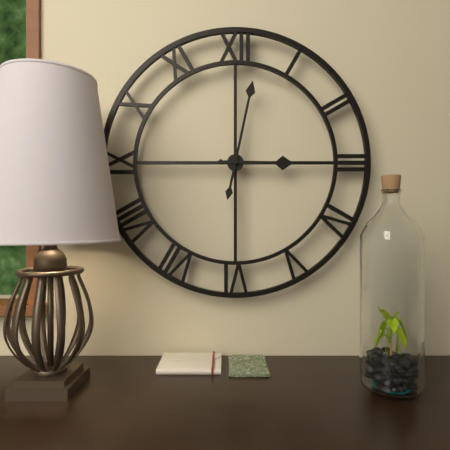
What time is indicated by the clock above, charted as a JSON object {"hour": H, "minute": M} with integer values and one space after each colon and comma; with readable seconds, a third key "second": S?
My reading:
{"hour": 3, "minute": 2}
